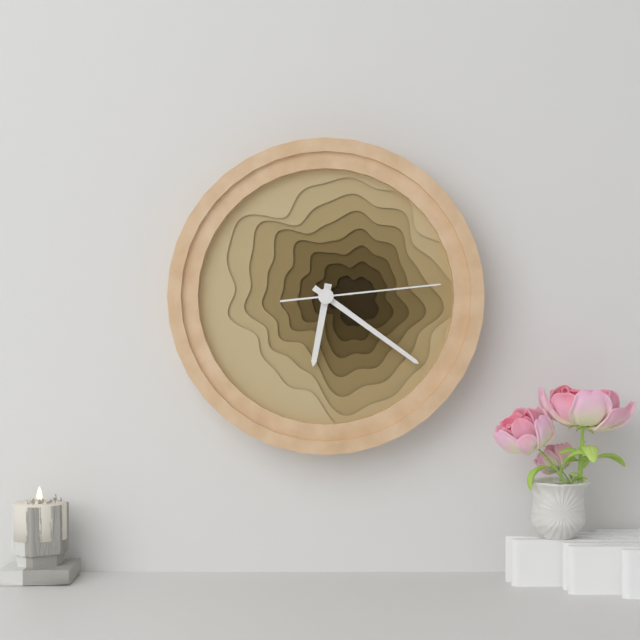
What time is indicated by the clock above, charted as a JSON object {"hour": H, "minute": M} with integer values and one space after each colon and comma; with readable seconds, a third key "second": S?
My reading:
{"hour": 6, "minute": 21, "second": 14}
